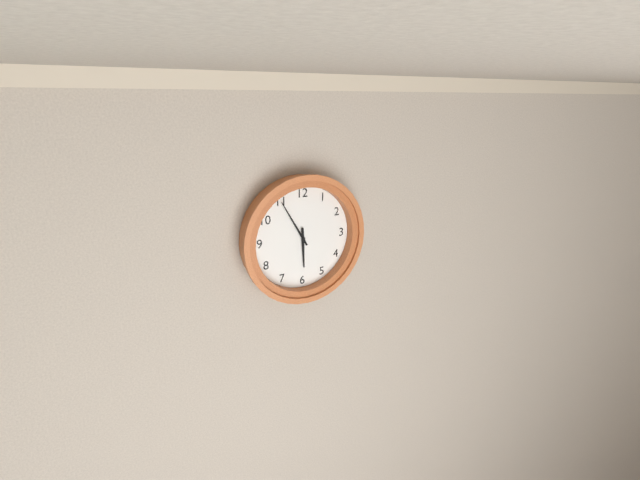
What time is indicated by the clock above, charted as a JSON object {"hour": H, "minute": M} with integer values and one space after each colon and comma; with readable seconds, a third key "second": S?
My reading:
{"hour": 5, "minute": 55}
